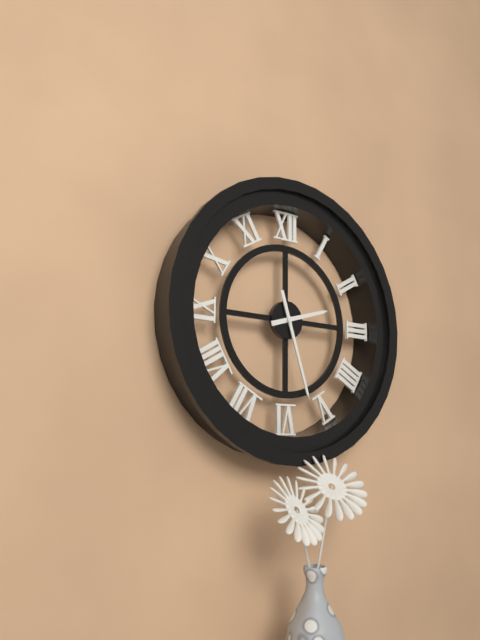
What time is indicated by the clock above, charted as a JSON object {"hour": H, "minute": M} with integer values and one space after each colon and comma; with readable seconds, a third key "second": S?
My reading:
{"hour": 2, "minute": 27}
